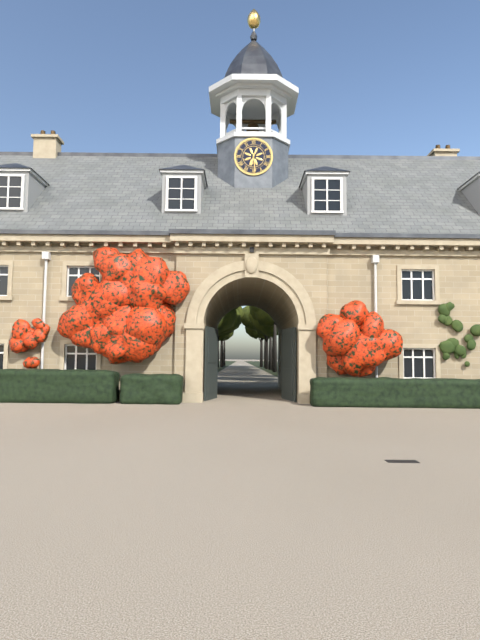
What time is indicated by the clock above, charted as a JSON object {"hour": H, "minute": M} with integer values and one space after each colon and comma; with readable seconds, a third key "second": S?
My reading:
{"hour": 6, "minute": 29}
